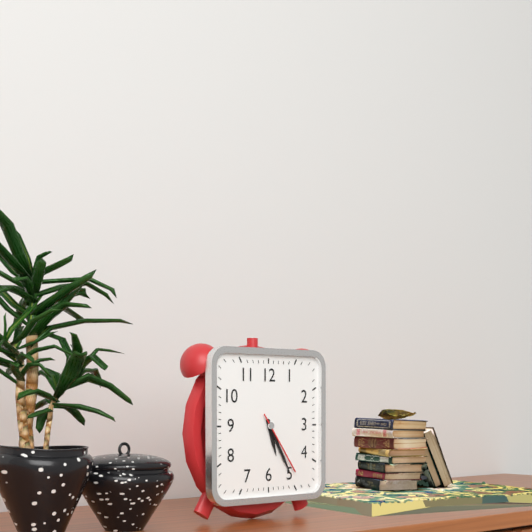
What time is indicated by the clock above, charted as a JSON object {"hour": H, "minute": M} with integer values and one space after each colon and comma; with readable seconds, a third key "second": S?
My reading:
{"hour": 5, "minute": 25, "second": 24}
